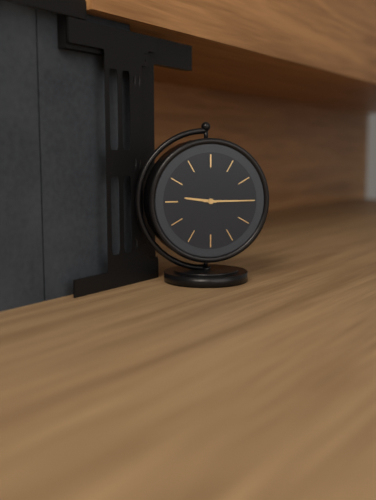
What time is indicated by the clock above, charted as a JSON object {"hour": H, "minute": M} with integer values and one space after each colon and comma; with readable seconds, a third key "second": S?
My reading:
{"hour": 9, "minute": 15}
